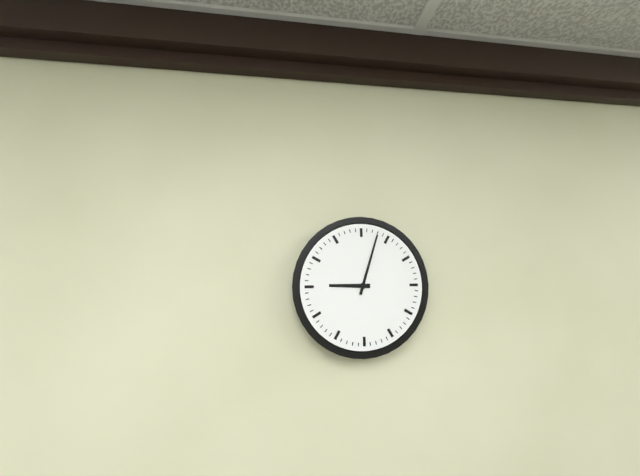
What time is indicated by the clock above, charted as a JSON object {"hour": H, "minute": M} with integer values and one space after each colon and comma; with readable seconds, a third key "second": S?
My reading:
{"hour": 9, "minute": 3}
